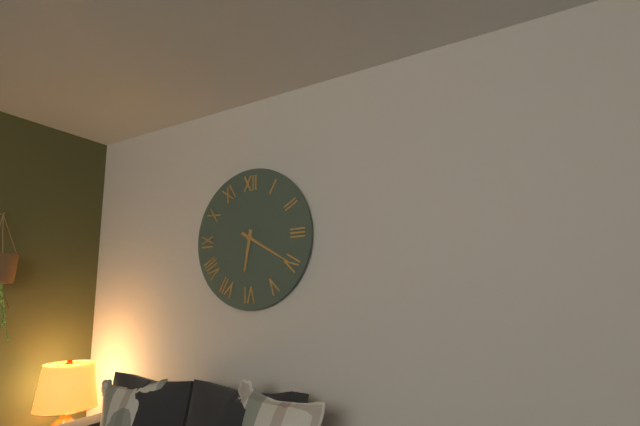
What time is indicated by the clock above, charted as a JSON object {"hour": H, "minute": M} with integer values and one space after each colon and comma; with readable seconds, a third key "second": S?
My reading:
{"hour": 6, "minute": 20}
